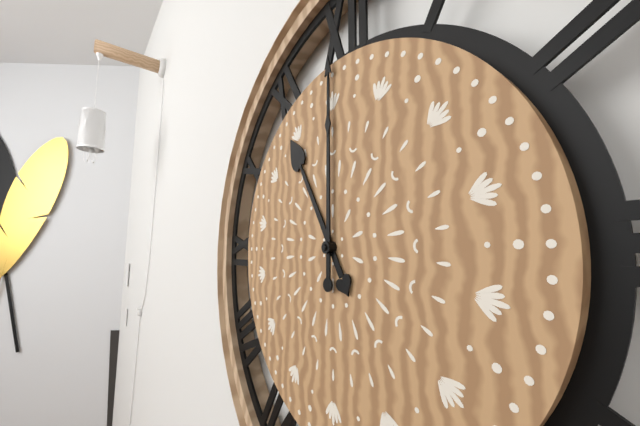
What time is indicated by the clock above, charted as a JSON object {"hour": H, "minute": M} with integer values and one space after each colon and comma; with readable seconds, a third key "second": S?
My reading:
{"hour": 11, "minute": 0}
